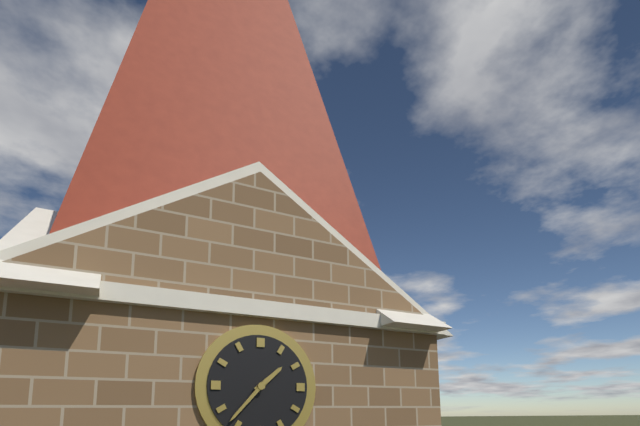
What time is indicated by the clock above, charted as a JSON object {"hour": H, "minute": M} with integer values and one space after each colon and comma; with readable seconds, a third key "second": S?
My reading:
{"hour": 1, "minute": 37}
